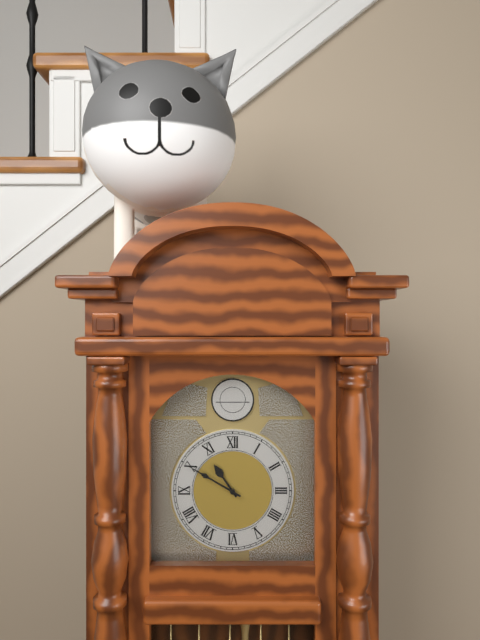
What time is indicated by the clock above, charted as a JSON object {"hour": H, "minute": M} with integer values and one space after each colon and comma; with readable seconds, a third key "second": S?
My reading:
{"hour": 10, "minute": 50}
